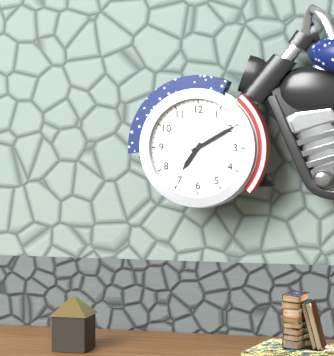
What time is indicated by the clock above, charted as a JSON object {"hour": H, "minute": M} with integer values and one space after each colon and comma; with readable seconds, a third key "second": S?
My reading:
{"hour": 7, "minute": 10}
